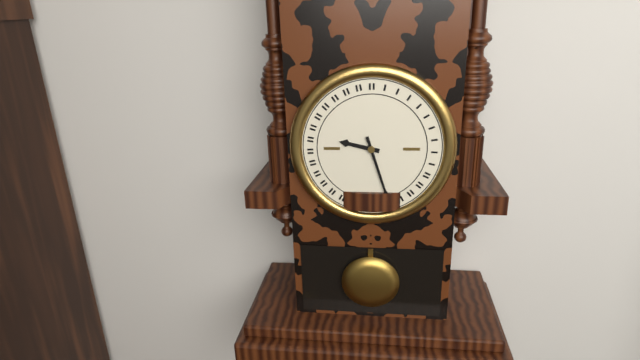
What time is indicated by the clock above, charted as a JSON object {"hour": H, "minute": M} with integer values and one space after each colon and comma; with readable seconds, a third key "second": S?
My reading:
{"hour": 9, "minute": 27}
